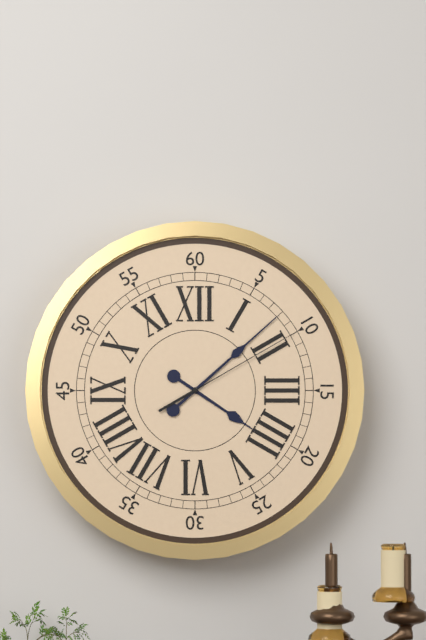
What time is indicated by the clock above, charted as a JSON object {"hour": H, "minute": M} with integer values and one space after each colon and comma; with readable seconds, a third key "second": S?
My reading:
{"hour": 4, "minute": 8, "second": 10}
